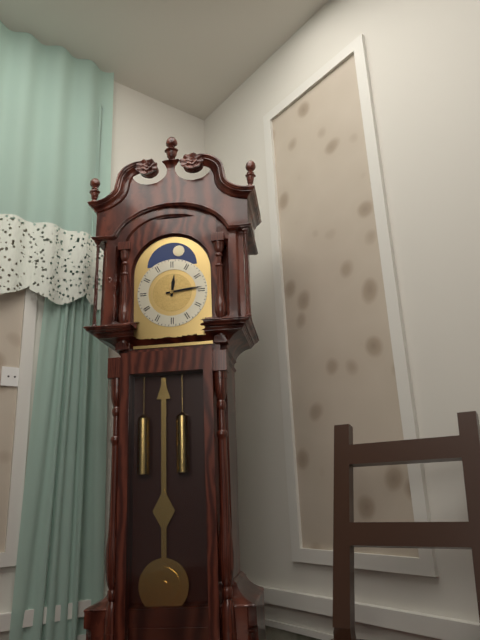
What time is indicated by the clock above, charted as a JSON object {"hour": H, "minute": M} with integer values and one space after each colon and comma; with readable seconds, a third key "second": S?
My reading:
{"hour": 12, "minute": 14}
